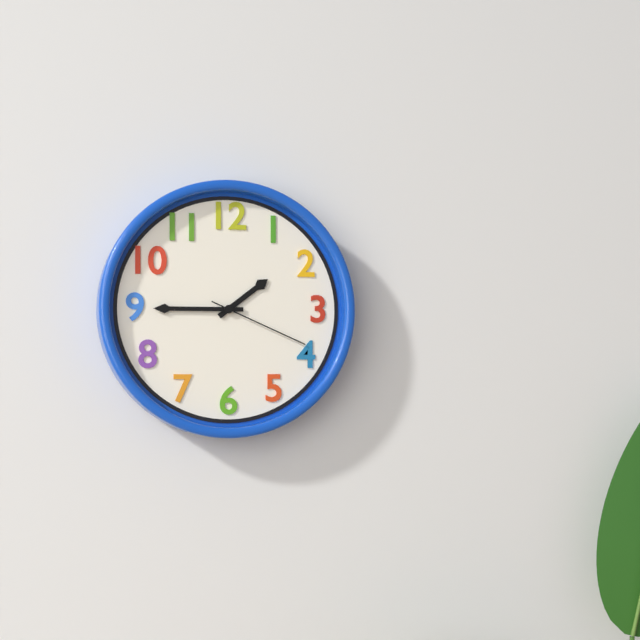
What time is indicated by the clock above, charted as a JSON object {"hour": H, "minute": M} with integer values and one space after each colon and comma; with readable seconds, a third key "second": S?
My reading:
{"hour": 1, "minute": 45, "second": 19}
